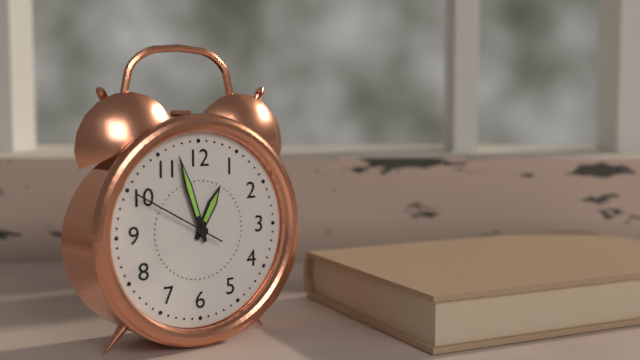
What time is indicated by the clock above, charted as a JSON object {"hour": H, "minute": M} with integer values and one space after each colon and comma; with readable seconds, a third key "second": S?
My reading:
{"hour": 12, "minute": 57, "second": 50}
